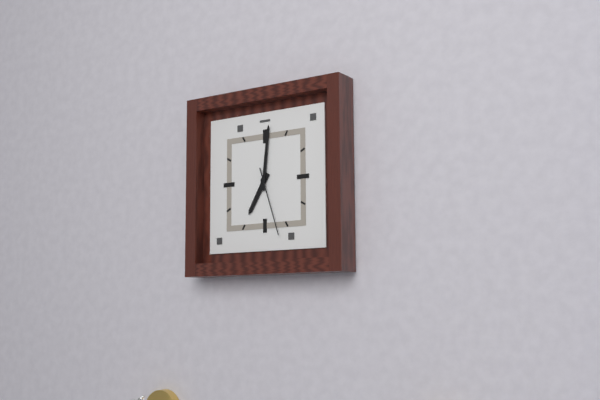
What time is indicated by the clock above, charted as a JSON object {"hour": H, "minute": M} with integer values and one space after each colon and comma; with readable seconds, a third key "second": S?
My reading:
{"hour": 7, "minute": 1, "second": 27}
